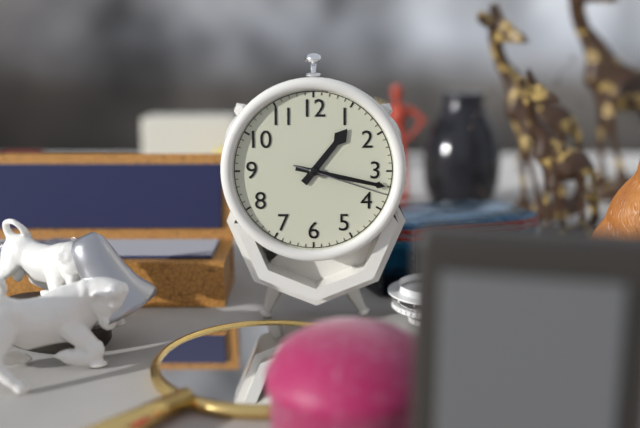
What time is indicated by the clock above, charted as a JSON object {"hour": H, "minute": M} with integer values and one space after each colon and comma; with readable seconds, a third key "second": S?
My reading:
{"hour": 1, "minute": 17, "second": 18}
